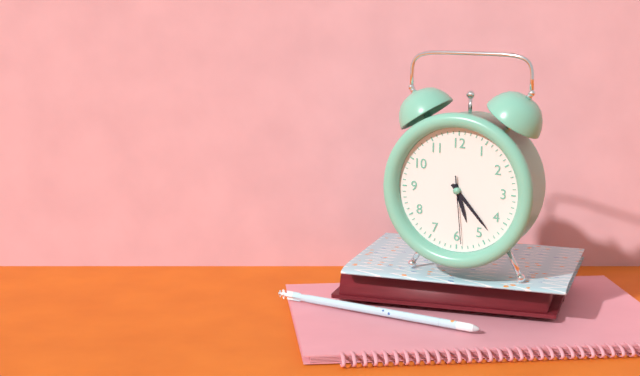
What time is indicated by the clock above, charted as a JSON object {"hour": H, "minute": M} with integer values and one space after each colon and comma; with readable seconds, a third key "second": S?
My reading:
{"hour": 5, "minute": 23, "second": 29}
